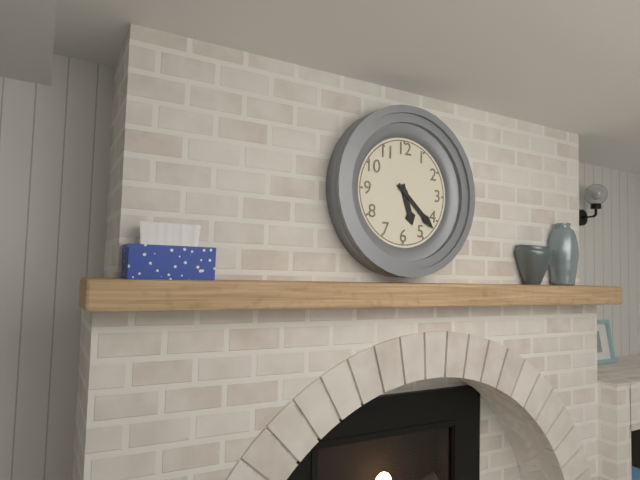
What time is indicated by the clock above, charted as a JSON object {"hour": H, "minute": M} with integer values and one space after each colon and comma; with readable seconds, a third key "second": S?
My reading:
{"hour": 5, "minute": 22}
